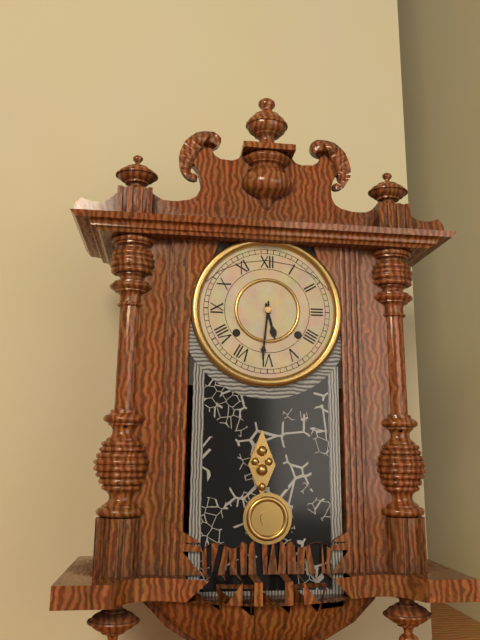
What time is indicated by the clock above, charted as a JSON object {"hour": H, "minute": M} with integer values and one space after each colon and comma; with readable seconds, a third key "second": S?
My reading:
{"hour": 5, "minute": 31}
